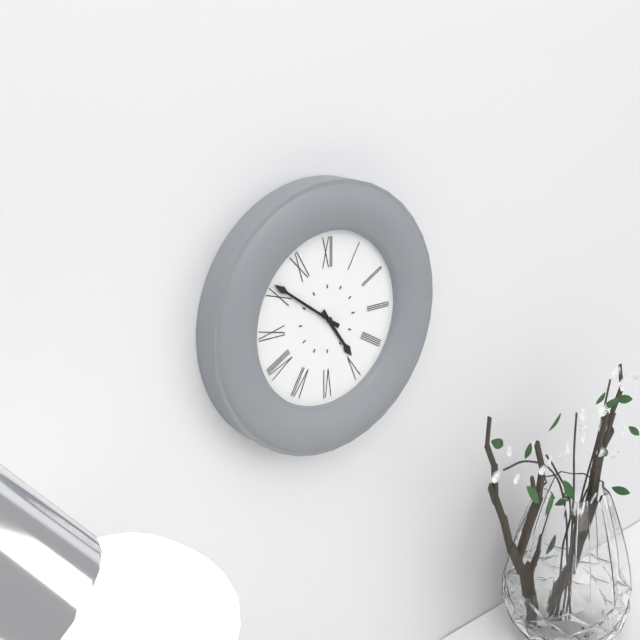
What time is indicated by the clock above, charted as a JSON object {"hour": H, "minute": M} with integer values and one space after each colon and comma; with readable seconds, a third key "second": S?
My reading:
{"hour": 4, "minute": 51}
